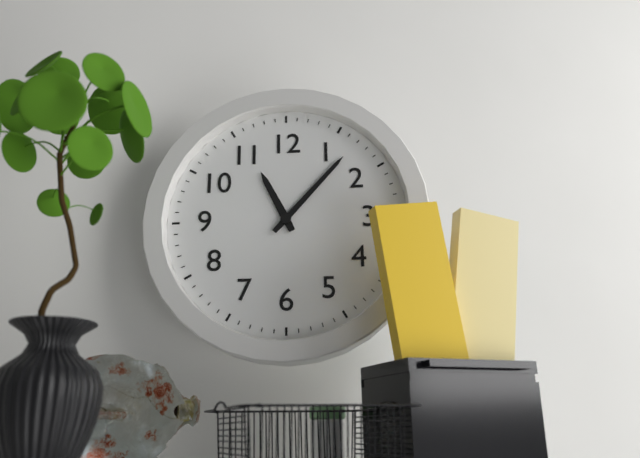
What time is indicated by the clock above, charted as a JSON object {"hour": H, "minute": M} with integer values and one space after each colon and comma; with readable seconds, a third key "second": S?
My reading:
{"hour": 11, "minute": 7}
